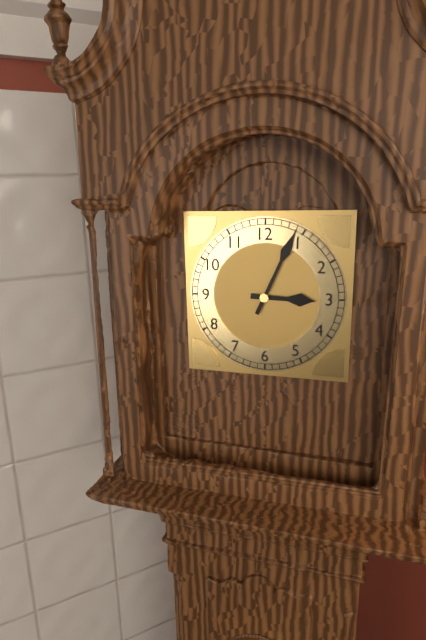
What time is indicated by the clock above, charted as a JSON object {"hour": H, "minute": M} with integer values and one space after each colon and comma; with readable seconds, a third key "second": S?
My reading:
{"hour": 3, "minute": 4}
